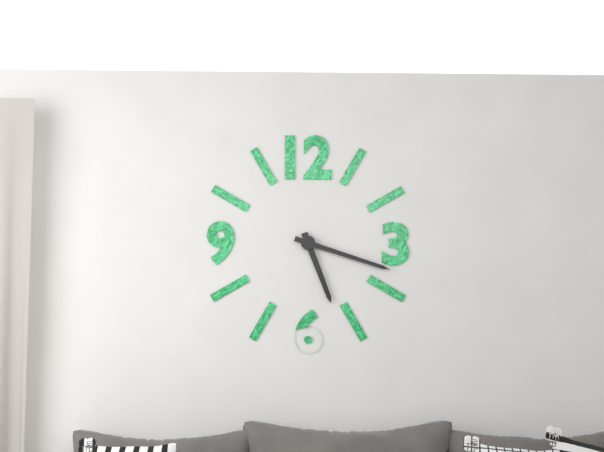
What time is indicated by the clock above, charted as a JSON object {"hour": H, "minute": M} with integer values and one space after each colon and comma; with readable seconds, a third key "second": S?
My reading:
{"hour": 5, "minute": 18}
